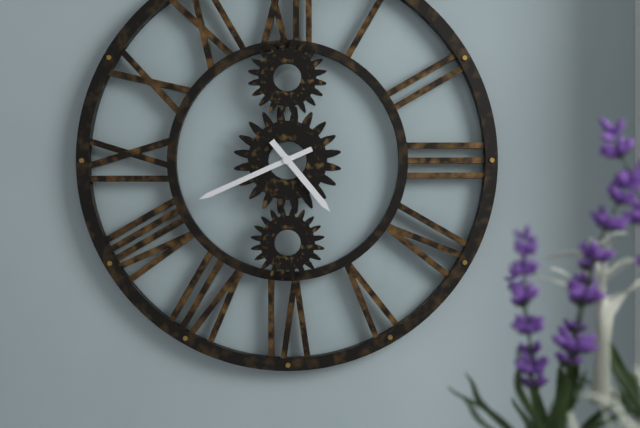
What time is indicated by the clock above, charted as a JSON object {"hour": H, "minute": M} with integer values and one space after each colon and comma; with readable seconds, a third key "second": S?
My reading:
{"hour": 4, "minute": 41}
